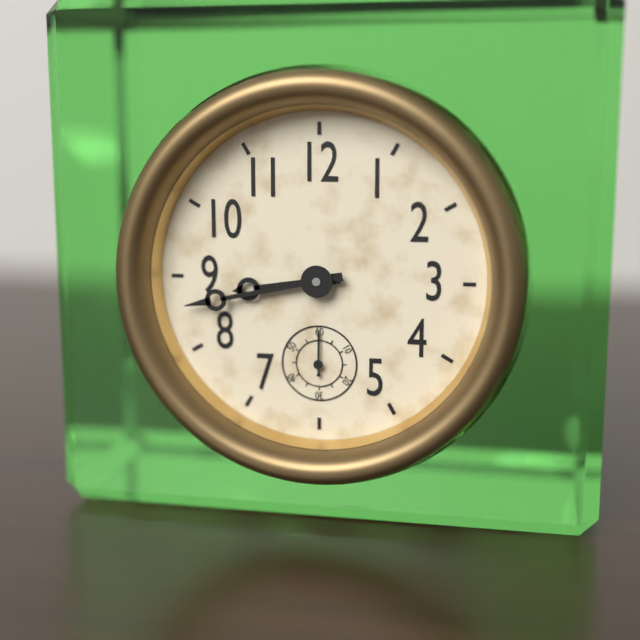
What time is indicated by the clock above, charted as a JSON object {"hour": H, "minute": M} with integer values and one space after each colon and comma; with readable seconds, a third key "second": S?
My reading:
{"hour": 8, "minute": 43}
